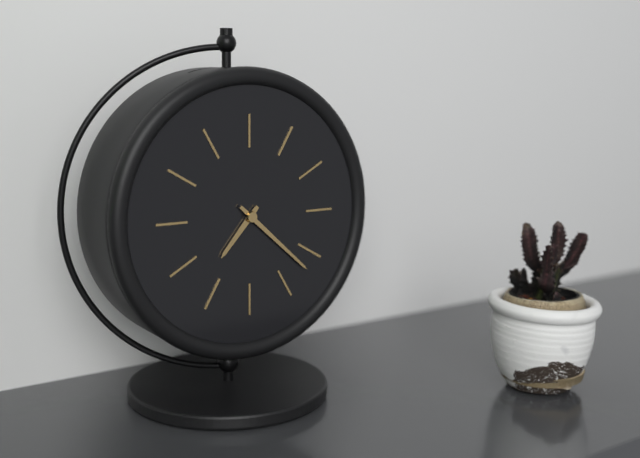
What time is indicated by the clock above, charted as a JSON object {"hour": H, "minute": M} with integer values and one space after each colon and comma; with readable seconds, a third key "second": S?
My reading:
{"hour": 7, "minute": 22}
